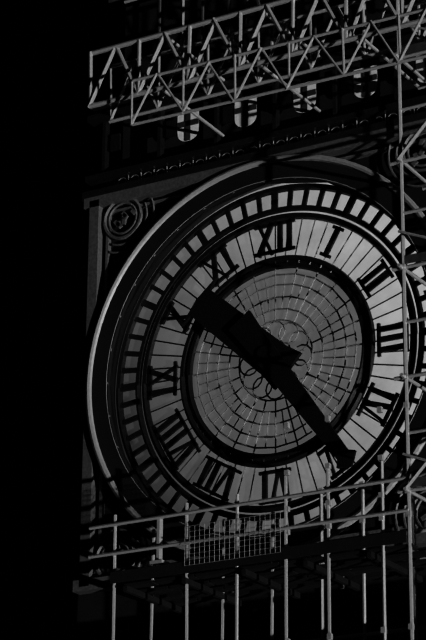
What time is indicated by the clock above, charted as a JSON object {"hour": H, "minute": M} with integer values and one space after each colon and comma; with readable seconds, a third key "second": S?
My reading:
{"hour": 10, "minute": 24}
